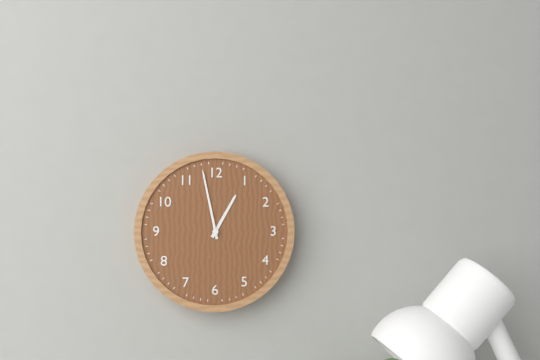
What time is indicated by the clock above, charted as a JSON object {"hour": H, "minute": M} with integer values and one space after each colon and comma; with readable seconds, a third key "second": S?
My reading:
{"hour": 12, "minute": 58}
